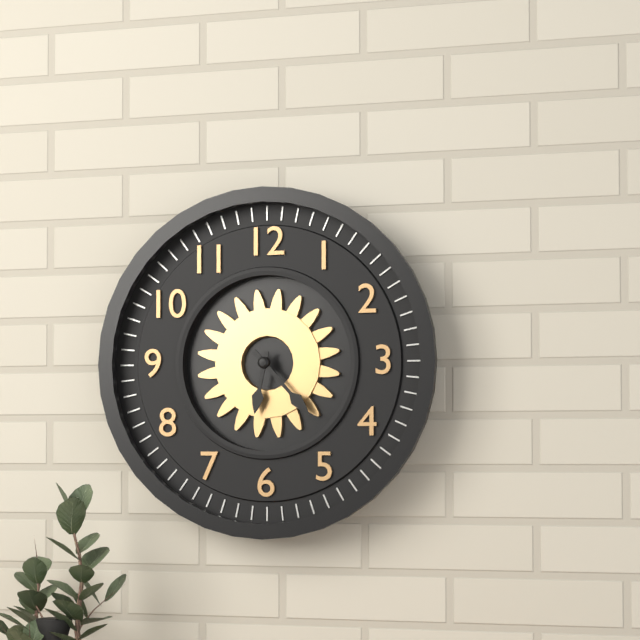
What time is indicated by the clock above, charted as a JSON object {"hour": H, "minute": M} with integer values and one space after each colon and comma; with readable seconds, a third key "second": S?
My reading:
{"hour": 6, "minute": 23}
